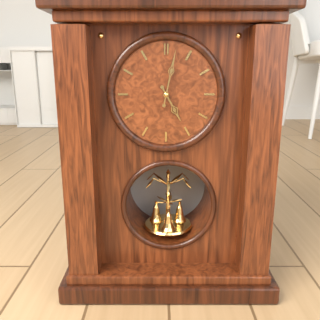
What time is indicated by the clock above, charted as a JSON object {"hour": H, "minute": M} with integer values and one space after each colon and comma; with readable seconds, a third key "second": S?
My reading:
{"hour": 5, "minute": 2}
